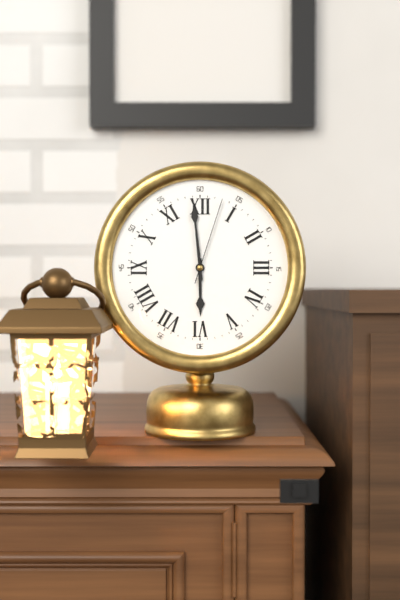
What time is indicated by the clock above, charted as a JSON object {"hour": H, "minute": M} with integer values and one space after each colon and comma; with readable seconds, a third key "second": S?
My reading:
{"hour": 5, "minute": 59, "second": 3}
